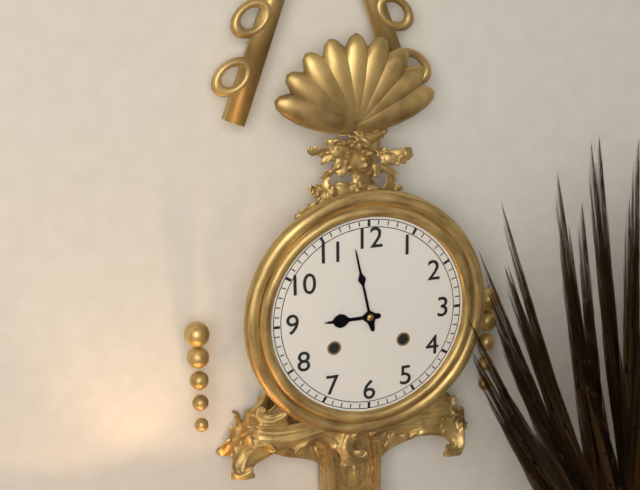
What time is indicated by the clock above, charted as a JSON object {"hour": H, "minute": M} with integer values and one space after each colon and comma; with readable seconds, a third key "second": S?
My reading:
{"hour": 8, "minute": 58}
